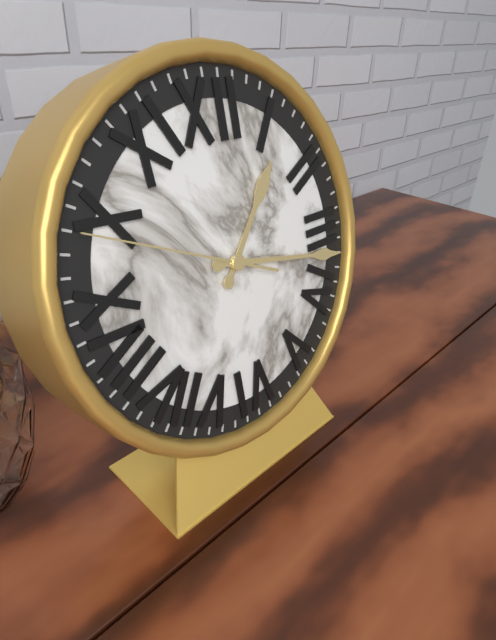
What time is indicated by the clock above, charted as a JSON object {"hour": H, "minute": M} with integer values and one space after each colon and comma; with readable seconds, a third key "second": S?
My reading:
{"hour": 1, "minute": 17, "second": 49}
